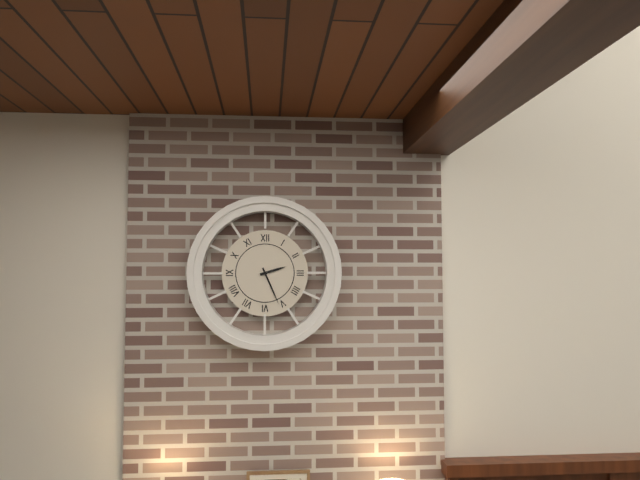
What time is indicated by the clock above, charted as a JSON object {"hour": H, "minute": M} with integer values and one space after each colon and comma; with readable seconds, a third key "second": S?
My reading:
{"hour": 2, "minute": 26}
